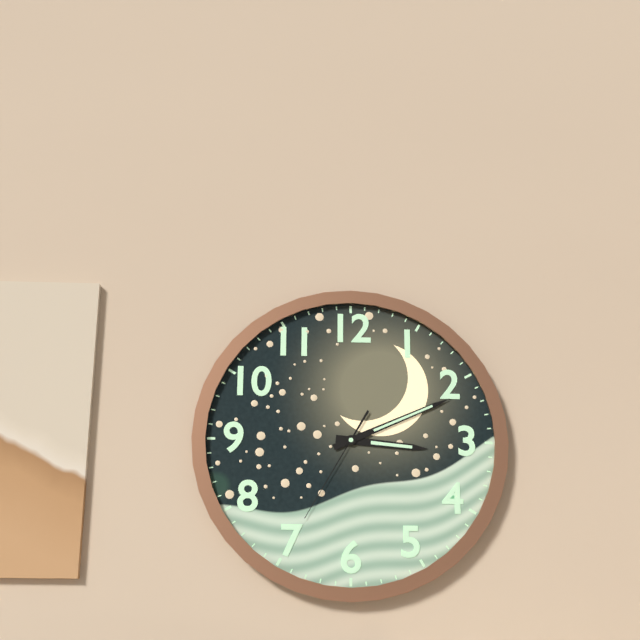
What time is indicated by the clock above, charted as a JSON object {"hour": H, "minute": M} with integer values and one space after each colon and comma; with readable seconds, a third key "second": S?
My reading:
{"hour": 3, "minute": 11, "second": 35}
